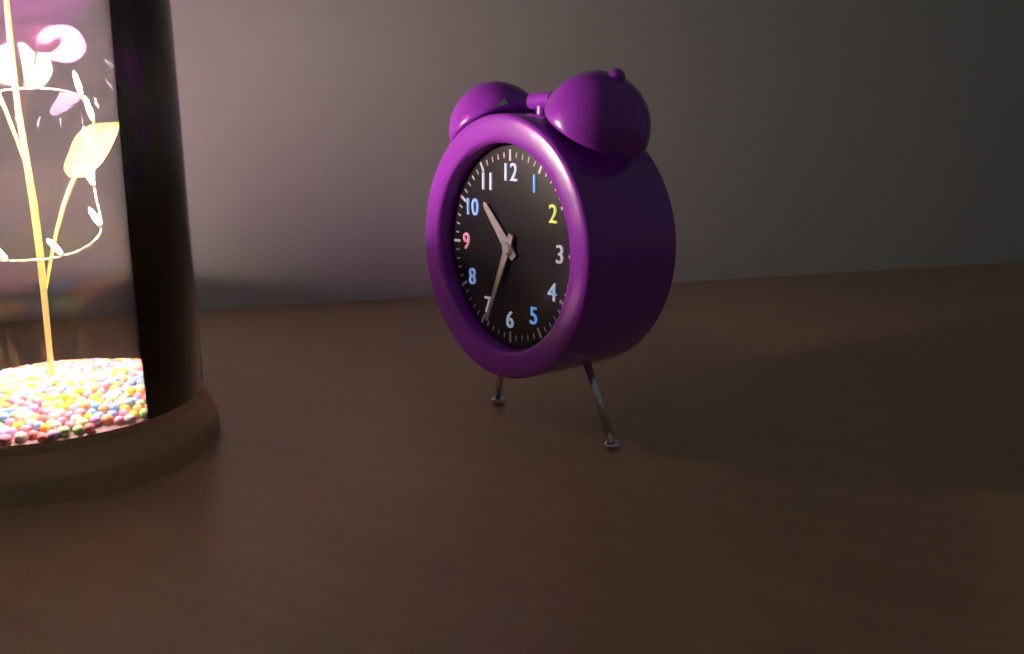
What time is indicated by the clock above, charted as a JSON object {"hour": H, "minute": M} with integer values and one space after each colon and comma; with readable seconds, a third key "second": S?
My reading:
{"hour": 10, "minute": 34}
